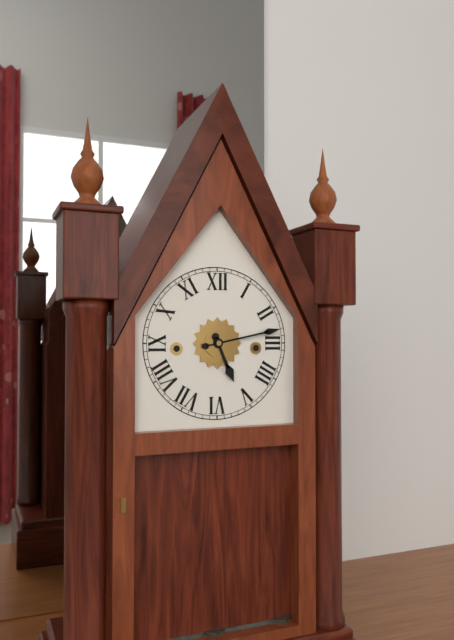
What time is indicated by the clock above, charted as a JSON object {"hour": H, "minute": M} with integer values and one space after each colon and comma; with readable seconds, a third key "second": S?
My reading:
{"hour": 5, "minute": 13}
